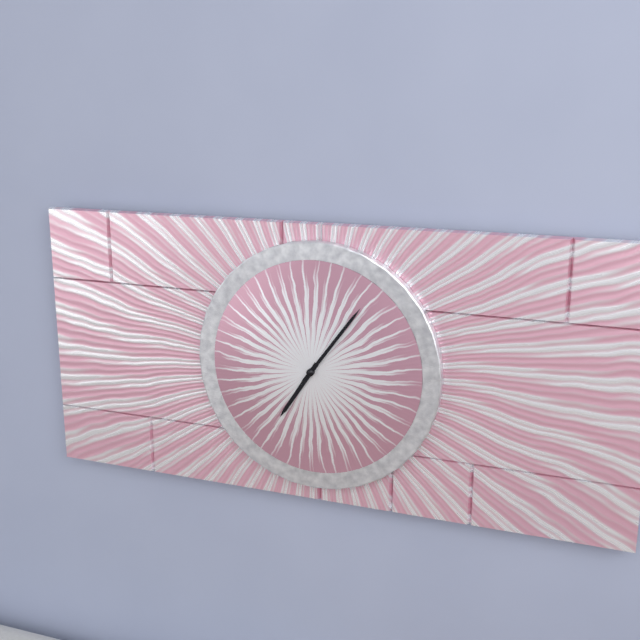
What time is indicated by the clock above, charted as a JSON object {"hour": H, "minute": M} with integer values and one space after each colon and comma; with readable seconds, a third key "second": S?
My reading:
{"hour": 7, "minute": 6}
